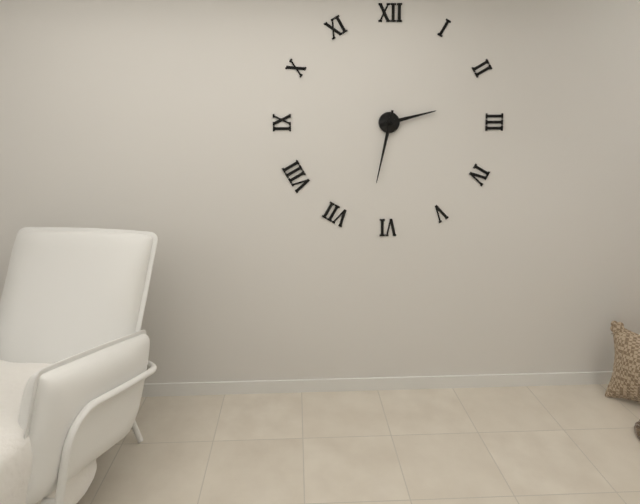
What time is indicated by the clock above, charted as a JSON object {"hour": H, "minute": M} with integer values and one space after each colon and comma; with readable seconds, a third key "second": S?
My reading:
{"hour": 2, "minute": 32}
